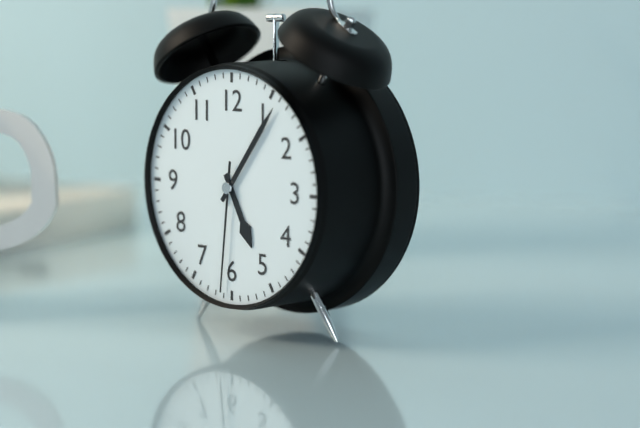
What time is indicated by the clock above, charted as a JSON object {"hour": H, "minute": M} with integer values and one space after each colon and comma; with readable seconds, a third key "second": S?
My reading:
{"hour": 5, "minute": 6, "second": 31}
